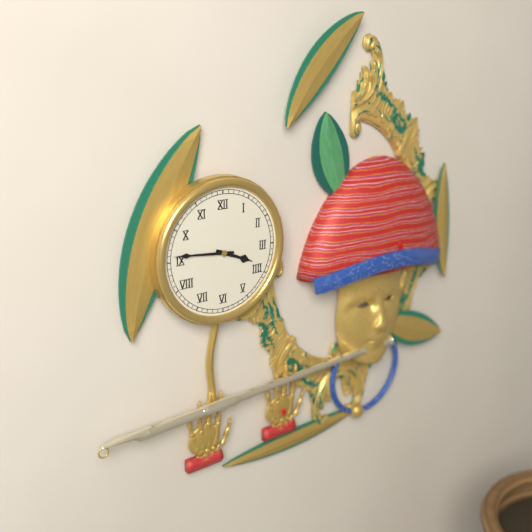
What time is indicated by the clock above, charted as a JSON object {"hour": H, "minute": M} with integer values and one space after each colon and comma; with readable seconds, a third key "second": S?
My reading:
{"hour": 3, "minute": 46}
